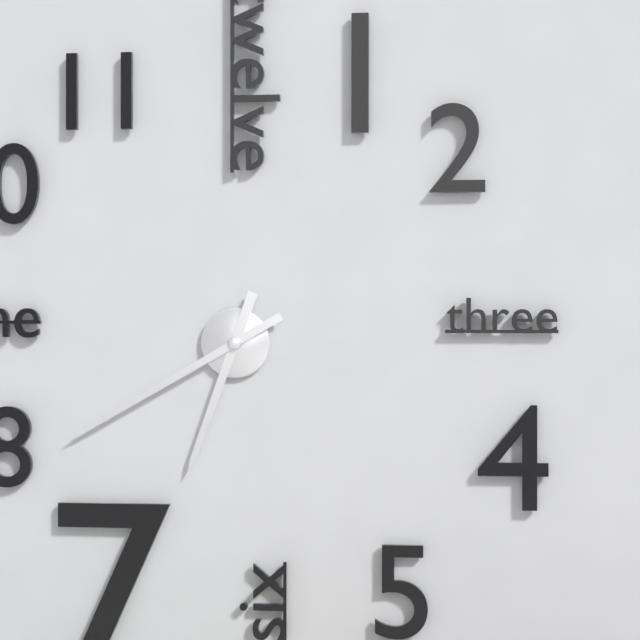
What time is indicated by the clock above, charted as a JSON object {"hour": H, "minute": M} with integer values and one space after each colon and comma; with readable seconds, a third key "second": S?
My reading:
{"hour": 6, "minute": 40}
